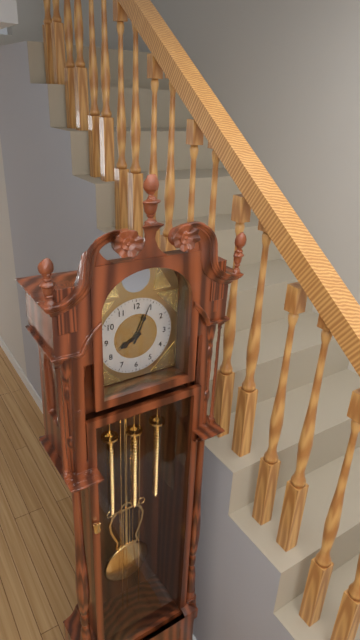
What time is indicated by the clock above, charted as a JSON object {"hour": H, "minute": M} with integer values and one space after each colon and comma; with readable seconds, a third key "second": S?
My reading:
{"hour": 8, "minute": 4}
